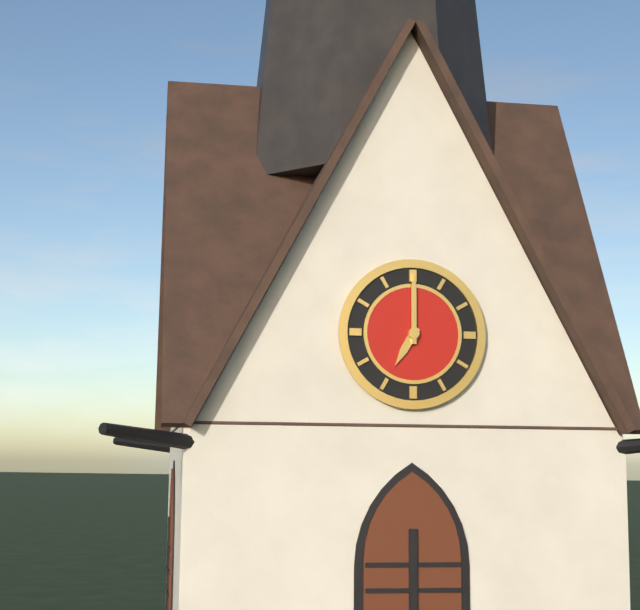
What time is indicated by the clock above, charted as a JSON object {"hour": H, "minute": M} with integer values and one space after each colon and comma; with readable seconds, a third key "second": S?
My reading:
{"hour": 7, "minute": 0}
